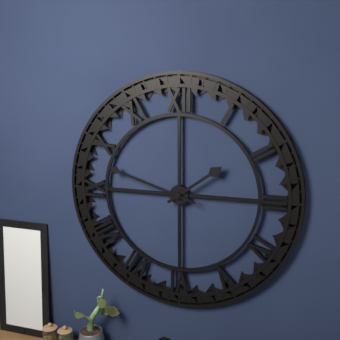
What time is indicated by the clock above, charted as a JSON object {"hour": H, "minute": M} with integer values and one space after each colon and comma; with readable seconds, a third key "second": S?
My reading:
{"hour": 1, "minute": 48}
